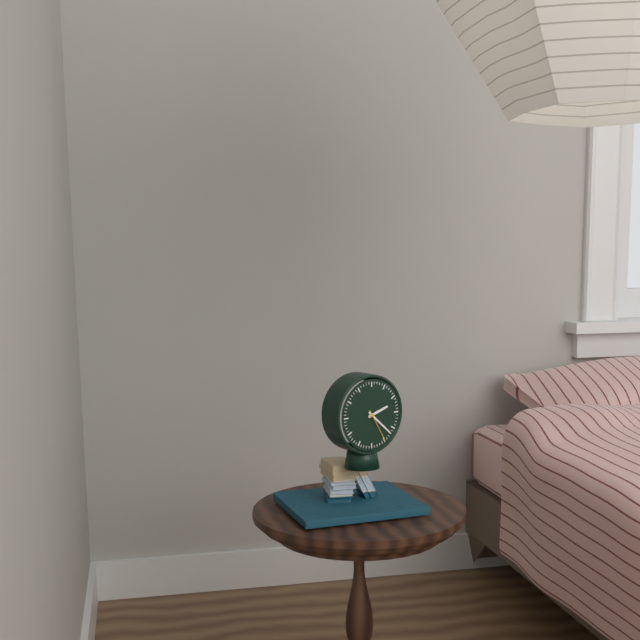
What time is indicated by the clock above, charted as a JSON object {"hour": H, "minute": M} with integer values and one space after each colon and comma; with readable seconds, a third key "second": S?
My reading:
{"hour": 2, "minute": 22}
